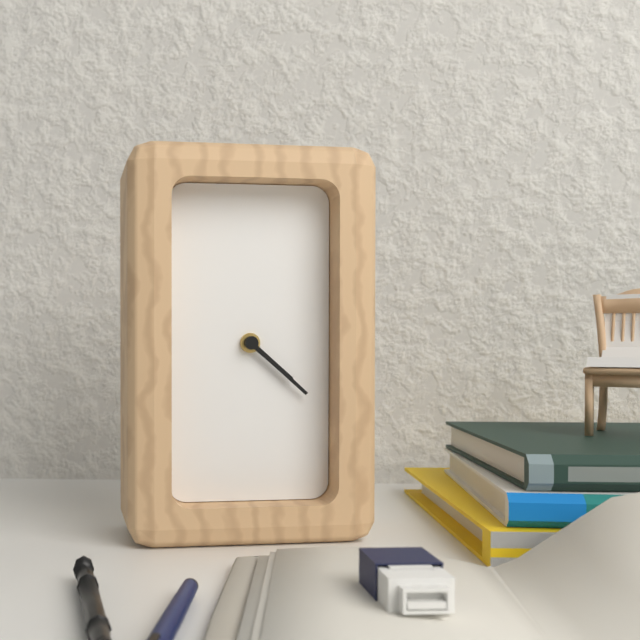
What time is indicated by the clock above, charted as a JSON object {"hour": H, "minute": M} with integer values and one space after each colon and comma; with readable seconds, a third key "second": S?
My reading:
{"hour": 4, "minute": 22}
